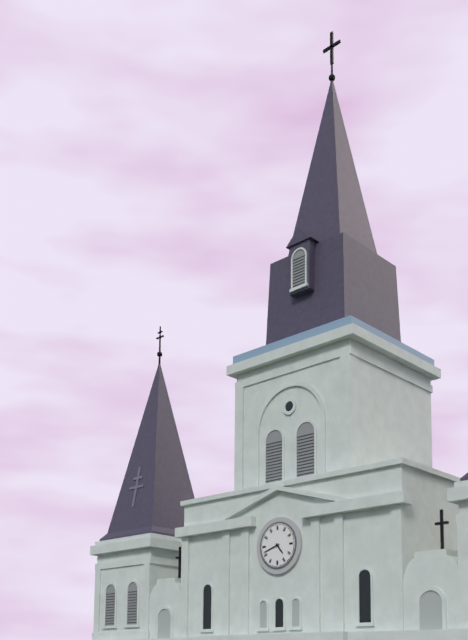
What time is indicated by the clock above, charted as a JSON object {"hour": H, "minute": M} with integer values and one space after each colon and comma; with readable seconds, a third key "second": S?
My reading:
{"hour": 4, "minute": 42}
